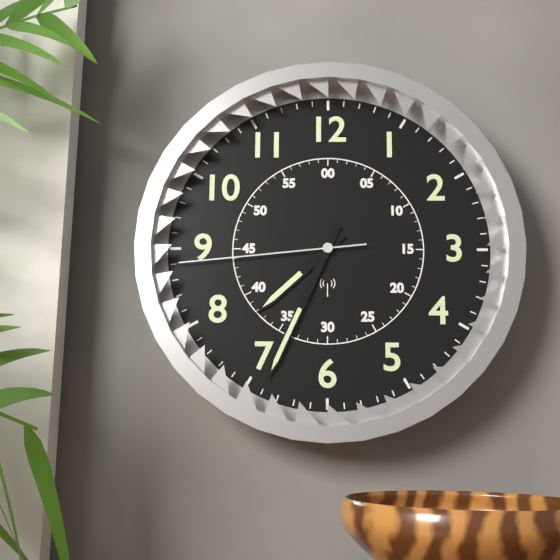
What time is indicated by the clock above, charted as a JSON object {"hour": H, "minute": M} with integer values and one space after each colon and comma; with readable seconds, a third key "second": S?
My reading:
{"hour": 7, "minute": 34, "second": 44}
